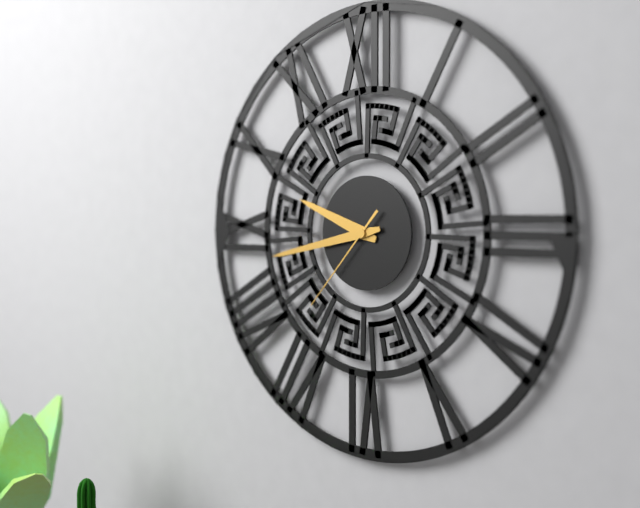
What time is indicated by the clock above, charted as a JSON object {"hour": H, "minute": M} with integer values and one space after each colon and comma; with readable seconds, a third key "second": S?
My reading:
{"hour": 9, "minute": 43, "second": 37}
